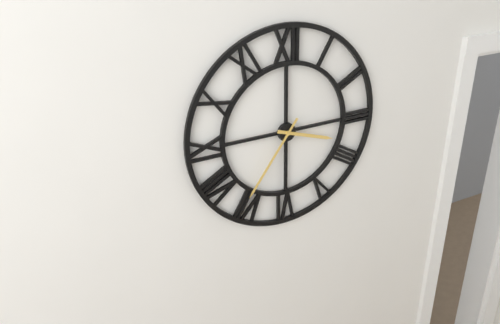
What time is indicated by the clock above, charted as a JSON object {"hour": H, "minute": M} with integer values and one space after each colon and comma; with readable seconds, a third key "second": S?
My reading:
{"hour": 3, "minute": 36}
